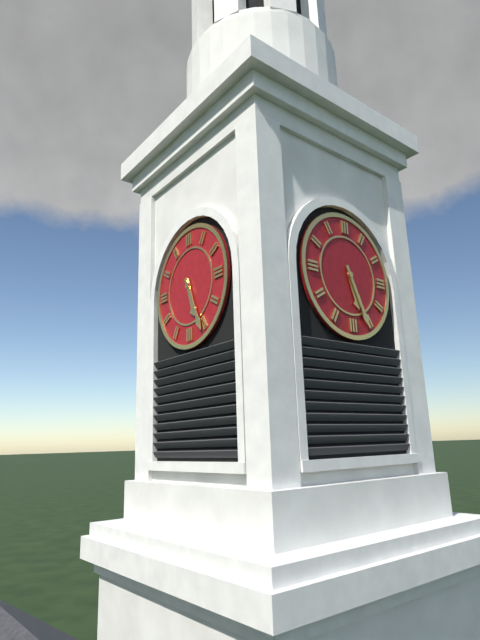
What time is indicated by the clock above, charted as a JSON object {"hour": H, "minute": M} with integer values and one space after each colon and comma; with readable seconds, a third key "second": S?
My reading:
{"hour": 5, "minute": 26}
